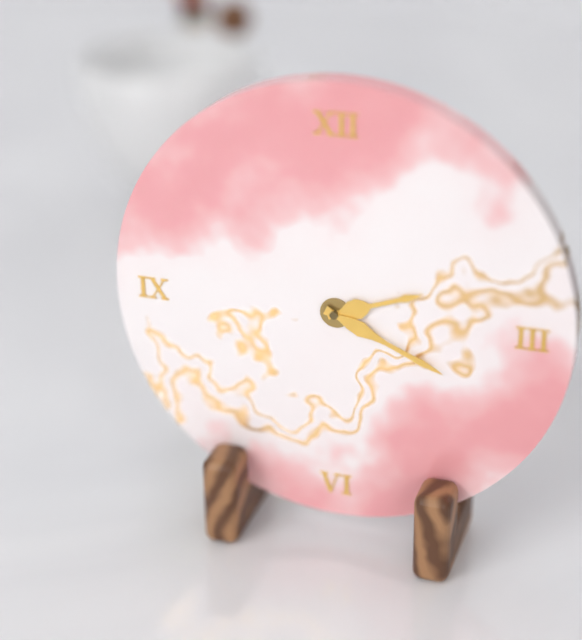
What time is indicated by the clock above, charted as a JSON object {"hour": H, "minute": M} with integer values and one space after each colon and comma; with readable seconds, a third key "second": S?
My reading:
{"hour": 2, "minute": 19}
